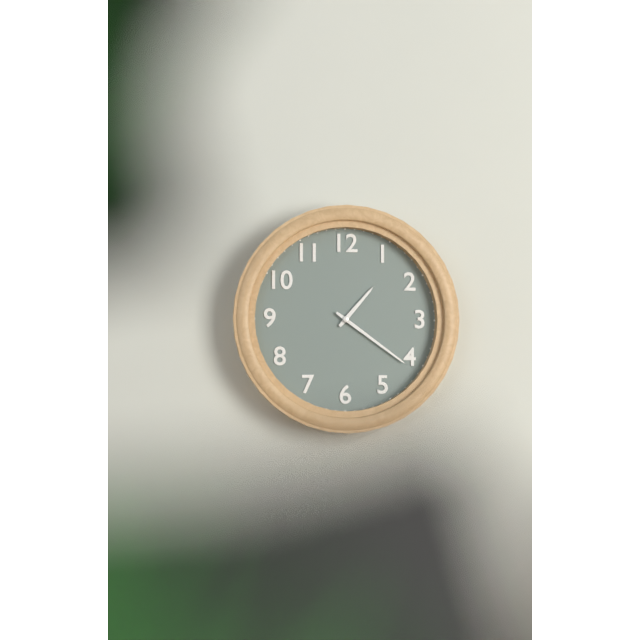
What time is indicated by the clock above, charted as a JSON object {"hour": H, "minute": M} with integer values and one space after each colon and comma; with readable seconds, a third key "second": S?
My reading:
{"hour": 1, "minute": 21}
